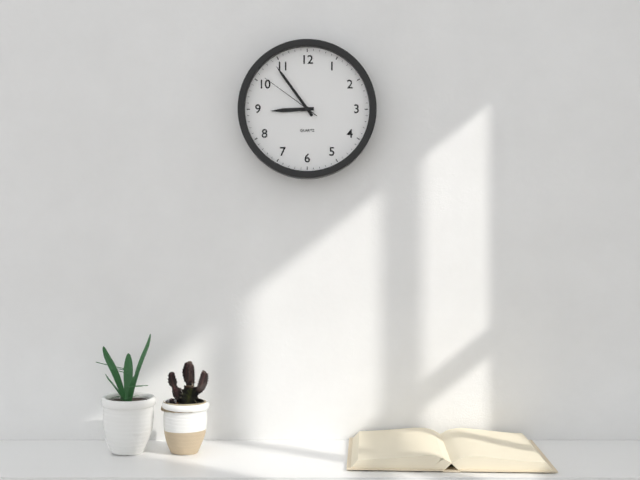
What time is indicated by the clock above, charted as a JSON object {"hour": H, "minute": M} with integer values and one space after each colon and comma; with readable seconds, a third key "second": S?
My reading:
{"hour": 8, "minute": 54, "second": 51}
